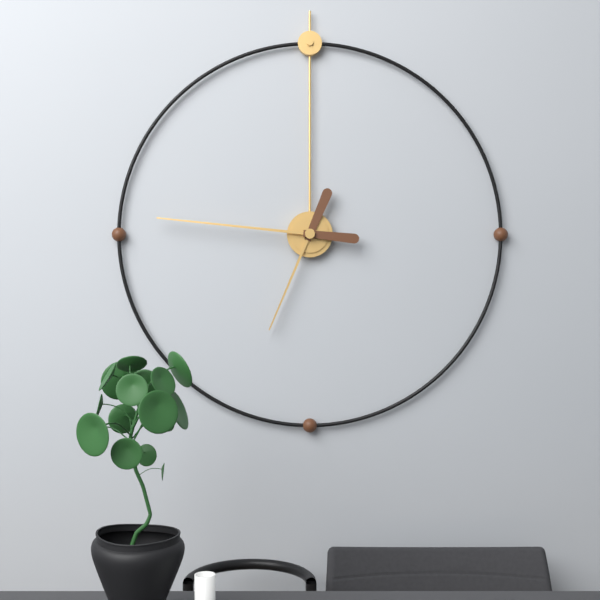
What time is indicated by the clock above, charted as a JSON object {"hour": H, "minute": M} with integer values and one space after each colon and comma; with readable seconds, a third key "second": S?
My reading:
{"hour": 6, "minute": 46}
